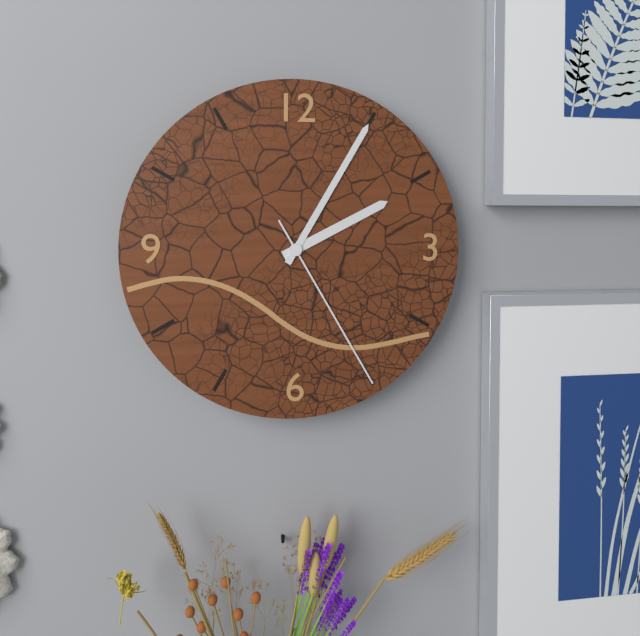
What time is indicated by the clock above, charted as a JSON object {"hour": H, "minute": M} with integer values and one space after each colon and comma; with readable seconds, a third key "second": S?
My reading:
{"hour": 2, "minute": 5, "second": 25}
